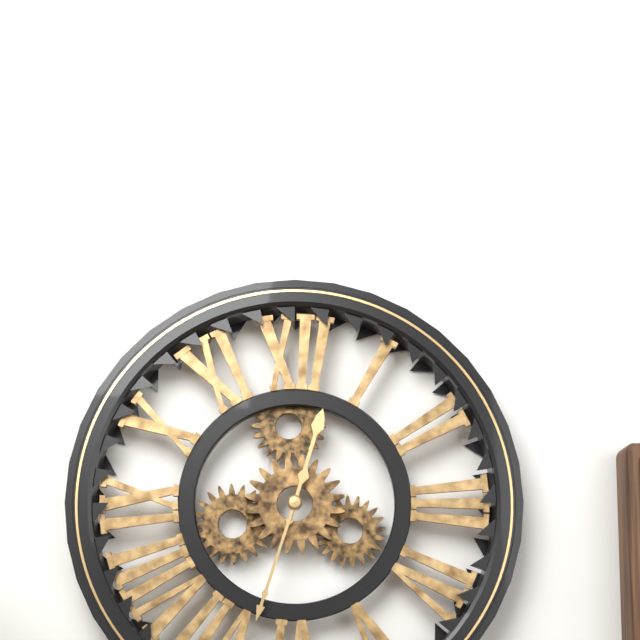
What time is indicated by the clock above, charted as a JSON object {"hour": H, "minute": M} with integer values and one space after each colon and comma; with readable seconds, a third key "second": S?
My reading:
{"hour": 12, "minute": 33}
